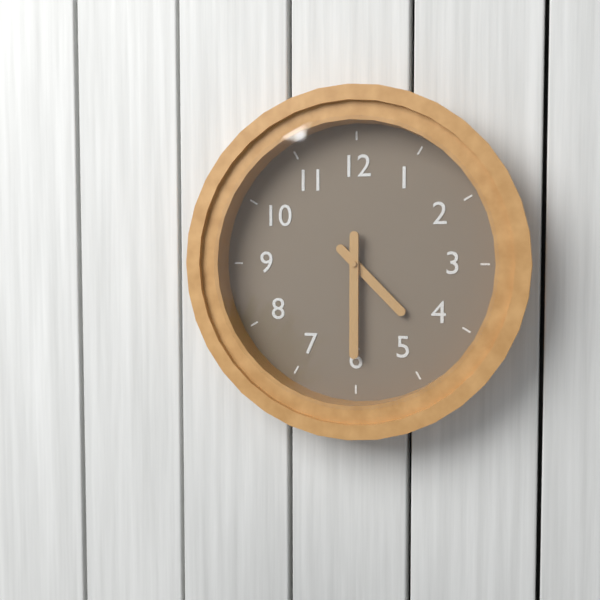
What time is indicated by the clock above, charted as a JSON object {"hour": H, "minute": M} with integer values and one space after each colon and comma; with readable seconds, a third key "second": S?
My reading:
{"hour": 4, "minute": 30}
